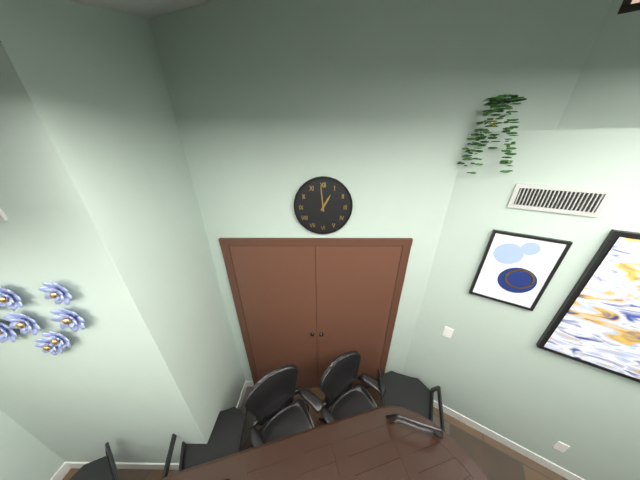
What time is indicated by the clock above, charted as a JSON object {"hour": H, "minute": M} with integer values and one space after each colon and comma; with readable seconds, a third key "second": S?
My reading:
{"hour": 12, "minute": 59}
